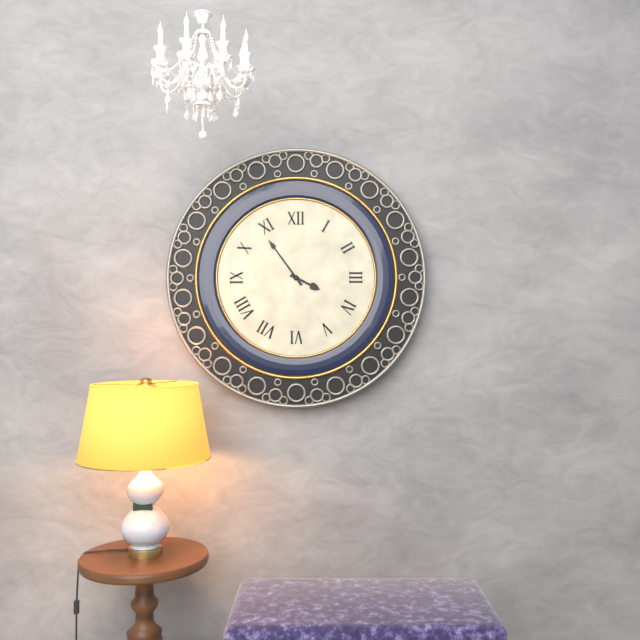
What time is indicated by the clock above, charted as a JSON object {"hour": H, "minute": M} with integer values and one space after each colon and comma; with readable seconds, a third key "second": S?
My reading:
{"hour": 3, "minute": 54}
